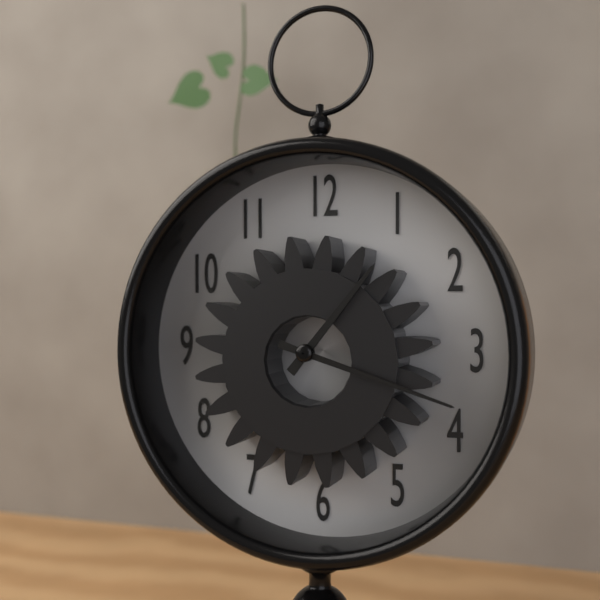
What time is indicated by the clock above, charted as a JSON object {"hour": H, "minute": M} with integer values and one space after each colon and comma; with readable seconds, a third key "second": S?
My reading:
{"hour": 1, "minute": 18}
